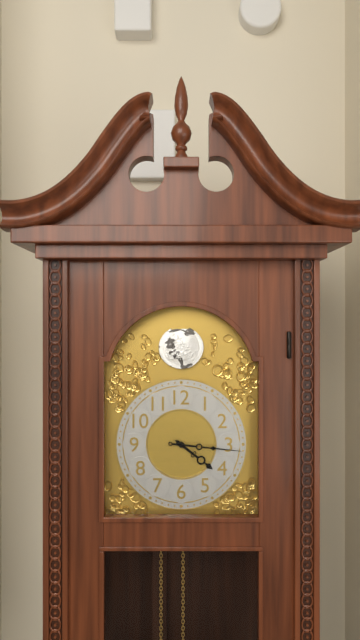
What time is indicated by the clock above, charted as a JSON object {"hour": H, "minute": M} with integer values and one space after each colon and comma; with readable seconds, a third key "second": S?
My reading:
{"hour": 4, "minute": 16}
